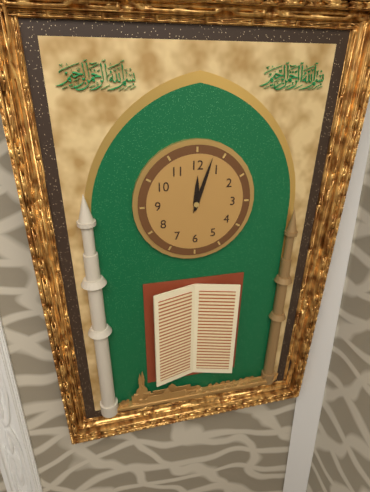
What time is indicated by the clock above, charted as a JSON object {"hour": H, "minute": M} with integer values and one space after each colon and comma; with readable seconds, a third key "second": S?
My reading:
{"hour": 12, "minute": 3}
